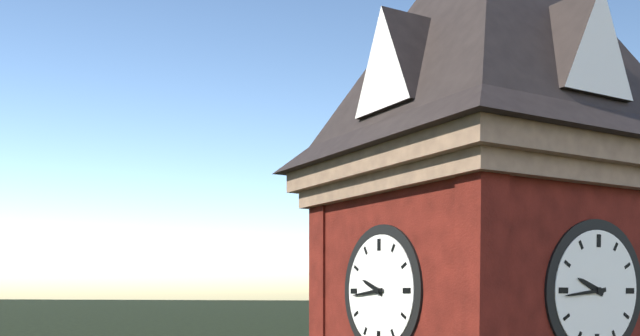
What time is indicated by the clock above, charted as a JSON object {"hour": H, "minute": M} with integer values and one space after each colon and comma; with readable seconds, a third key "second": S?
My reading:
{"hour": 9, "minute": 44}
